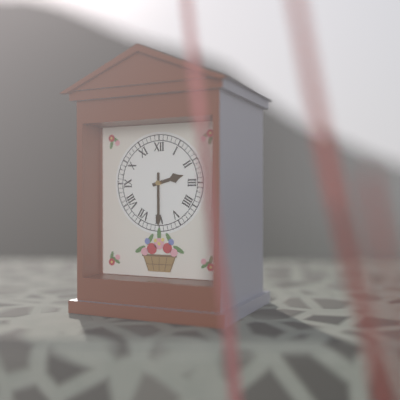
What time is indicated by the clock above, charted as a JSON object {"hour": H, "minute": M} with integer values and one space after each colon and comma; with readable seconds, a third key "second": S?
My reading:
{"hour": 2, "minute": 30}
